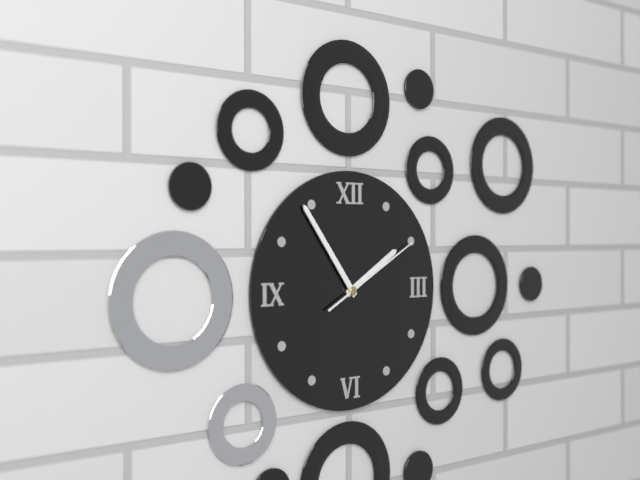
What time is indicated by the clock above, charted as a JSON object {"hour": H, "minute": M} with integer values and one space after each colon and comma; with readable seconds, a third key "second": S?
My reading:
{"hour": 1, "minute": 54, "second": 10}
